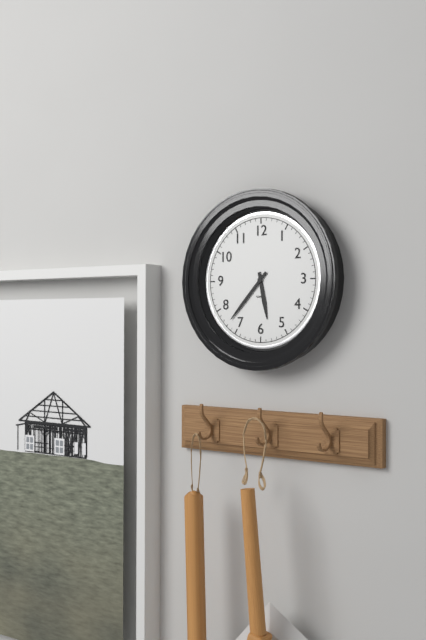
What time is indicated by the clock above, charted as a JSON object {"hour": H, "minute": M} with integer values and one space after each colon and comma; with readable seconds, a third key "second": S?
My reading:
{"hour": 5, "minute": 37}
